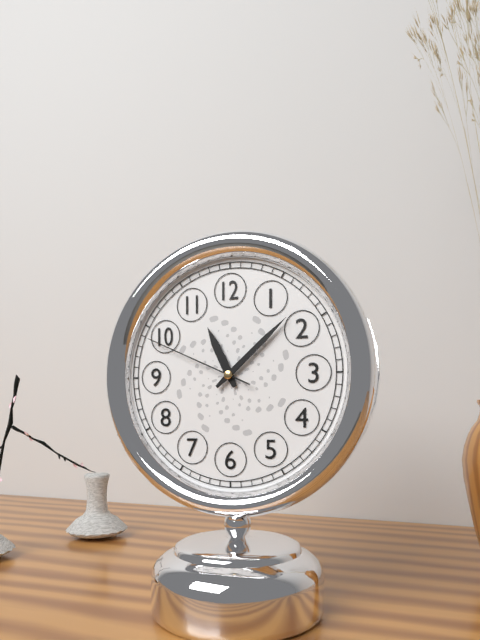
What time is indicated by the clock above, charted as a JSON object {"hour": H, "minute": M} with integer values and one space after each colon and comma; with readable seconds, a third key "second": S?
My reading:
{"hour": 11, "minute": 8, "second": 49}
